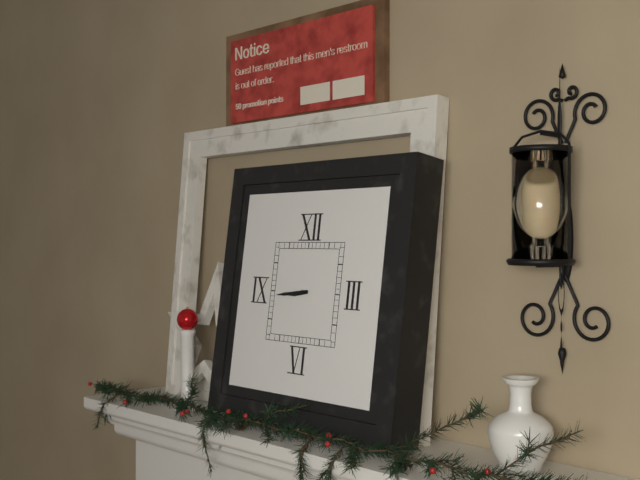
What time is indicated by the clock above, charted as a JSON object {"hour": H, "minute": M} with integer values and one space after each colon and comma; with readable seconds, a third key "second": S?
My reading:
{"hour": 8, "minute": 44}
